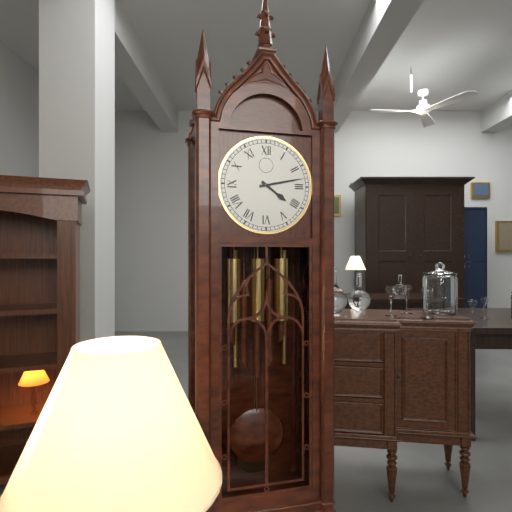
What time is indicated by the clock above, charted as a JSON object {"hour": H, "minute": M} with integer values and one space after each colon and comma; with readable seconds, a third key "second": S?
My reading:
{"hour": 4, "minute": 13}
